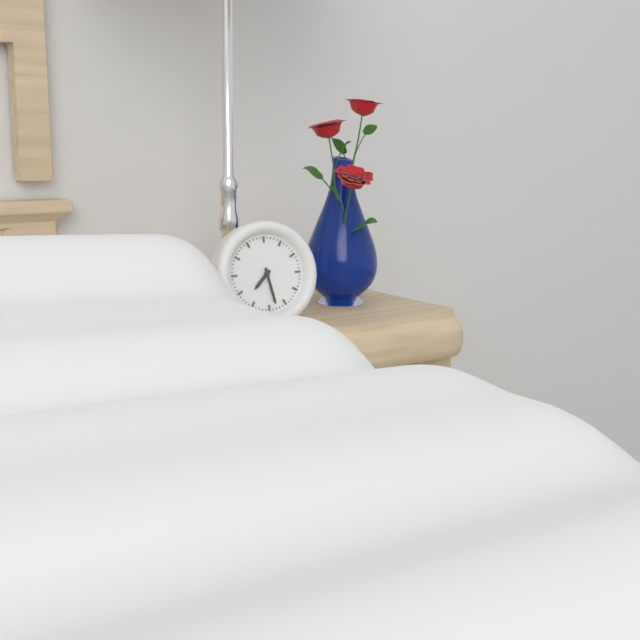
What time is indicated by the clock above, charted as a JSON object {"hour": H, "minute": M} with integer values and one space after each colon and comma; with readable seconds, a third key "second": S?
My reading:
{"hour": 7, "minute": 28}
